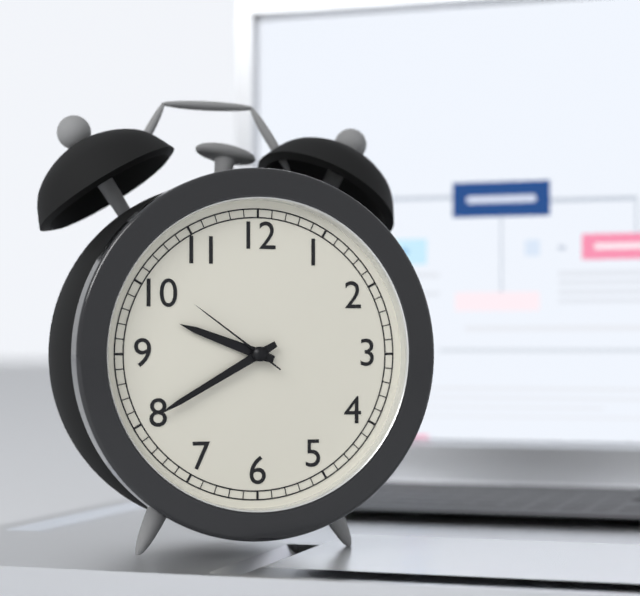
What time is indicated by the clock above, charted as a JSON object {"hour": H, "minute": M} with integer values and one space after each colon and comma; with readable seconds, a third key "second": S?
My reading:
{"hour": 9, "minute": 40, "second": 51}
